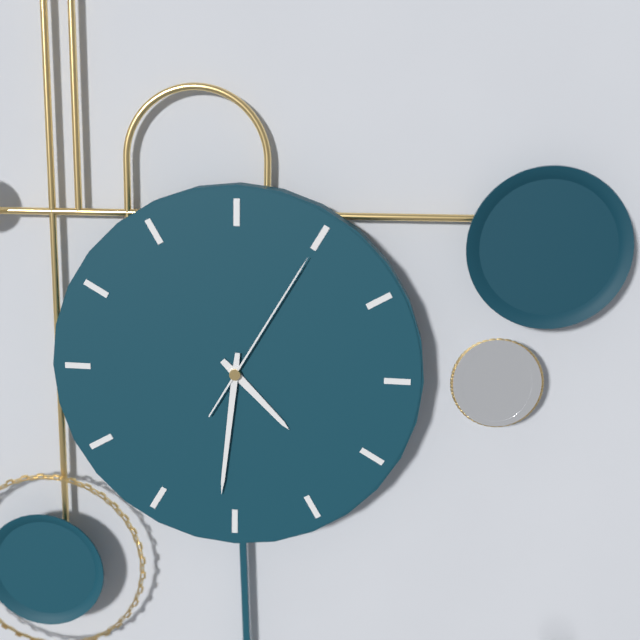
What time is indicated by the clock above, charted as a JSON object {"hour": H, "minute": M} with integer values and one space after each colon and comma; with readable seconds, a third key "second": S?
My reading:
{"hour": 4, "minute": 31, "second": 5}
